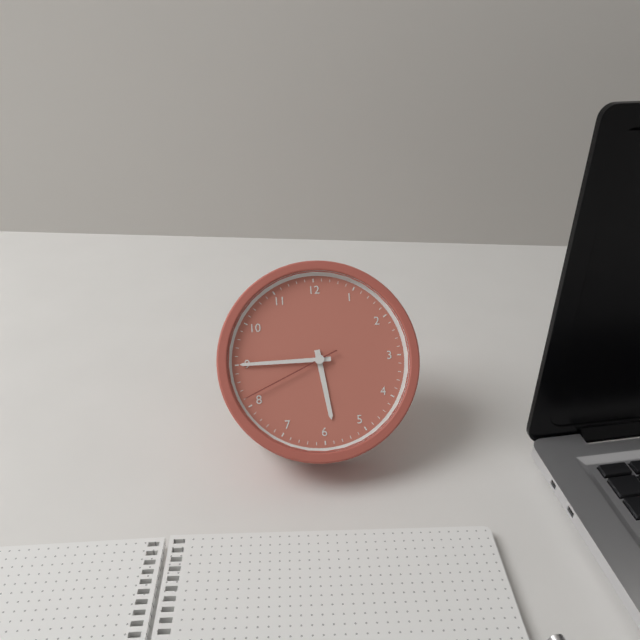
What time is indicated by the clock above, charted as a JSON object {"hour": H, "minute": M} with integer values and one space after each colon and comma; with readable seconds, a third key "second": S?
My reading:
{"hour": 5, "minute": 45, "second": 41}
